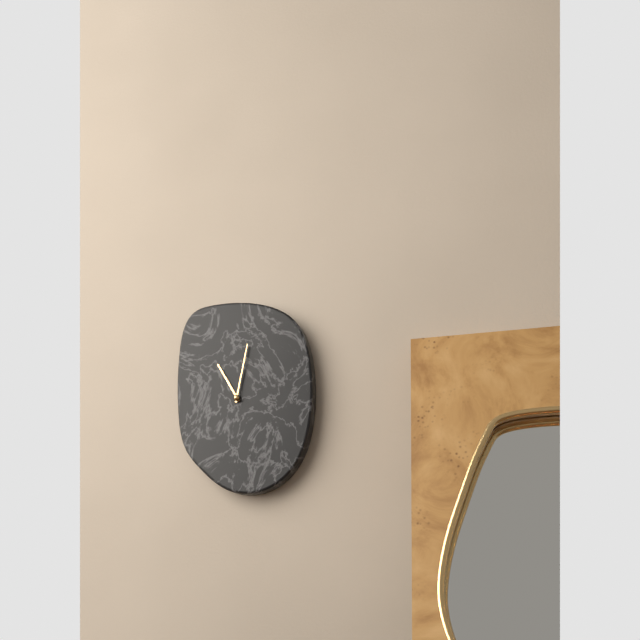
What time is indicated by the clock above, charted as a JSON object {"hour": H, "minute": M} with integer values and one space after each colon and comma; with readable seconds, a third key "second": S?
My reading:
{"hour": 11, "minute": 2}
